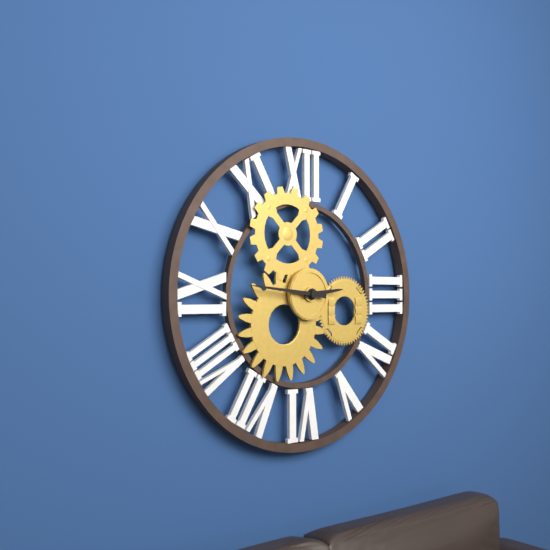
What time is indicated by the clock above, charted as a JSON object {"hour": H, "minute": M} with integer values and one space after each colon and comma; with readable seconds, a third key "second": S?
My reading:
{"hour": 2, "minute": 46}
